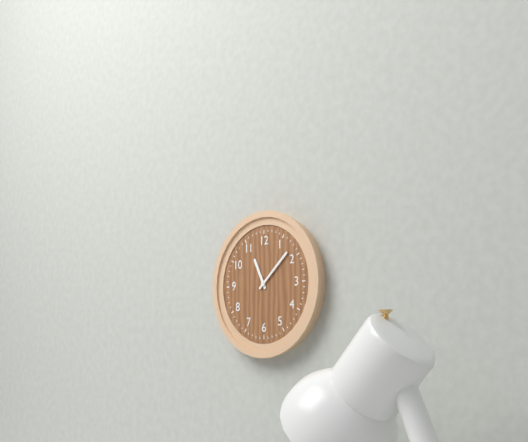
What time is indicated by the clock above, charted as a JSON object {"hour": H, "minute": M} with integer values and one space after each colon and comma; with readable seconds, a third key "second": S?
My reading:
{"hour": 11, "minute": 8}
